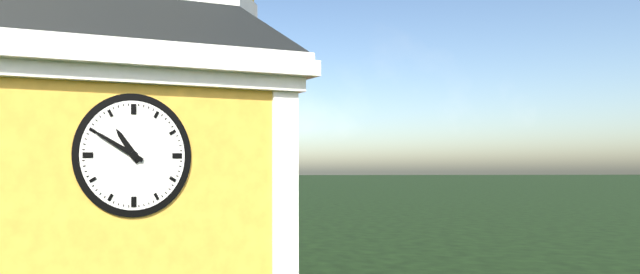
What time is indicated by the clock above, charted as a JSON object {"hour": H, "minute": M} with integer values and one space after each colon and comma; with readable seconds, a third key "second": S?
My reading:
{"hour": 10, "minute": 50}
